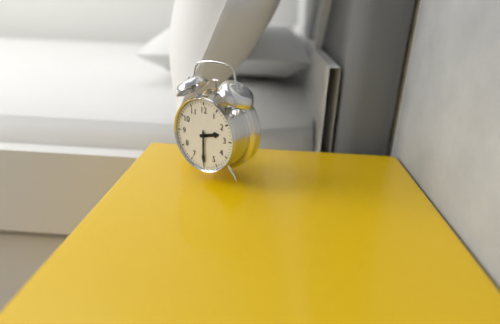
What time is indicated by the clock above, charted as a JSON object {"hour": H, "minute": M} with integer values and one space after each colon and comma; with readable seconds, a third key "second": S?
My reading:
{"hour": 2, "minute": 30}
